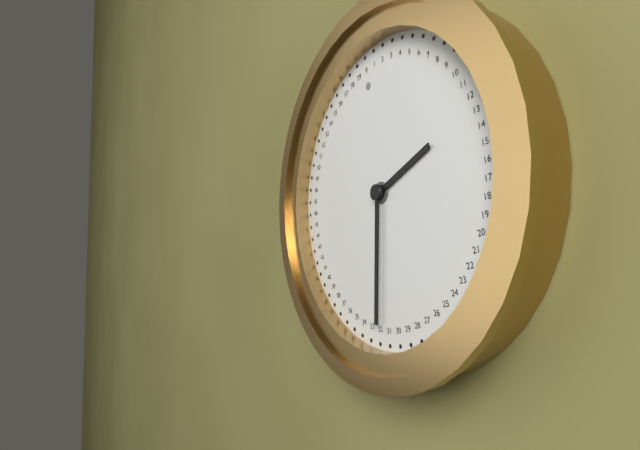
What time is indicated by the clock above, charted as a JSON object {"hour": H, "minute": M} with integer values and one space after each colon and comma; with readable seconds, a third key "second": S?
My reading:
{"hour": 2, "minute": 32}
